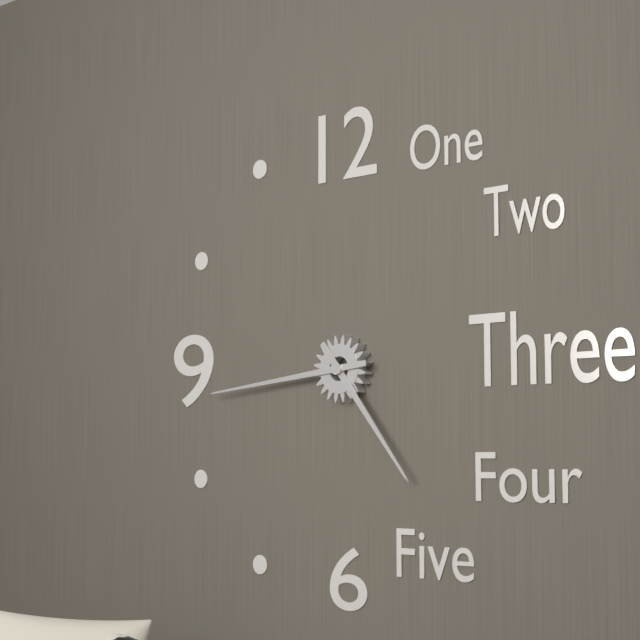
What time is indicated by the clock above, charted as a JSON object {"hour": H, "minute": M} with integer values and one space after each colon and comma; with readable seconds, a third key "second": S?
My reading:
{"hour": 4, "minute": 44}
